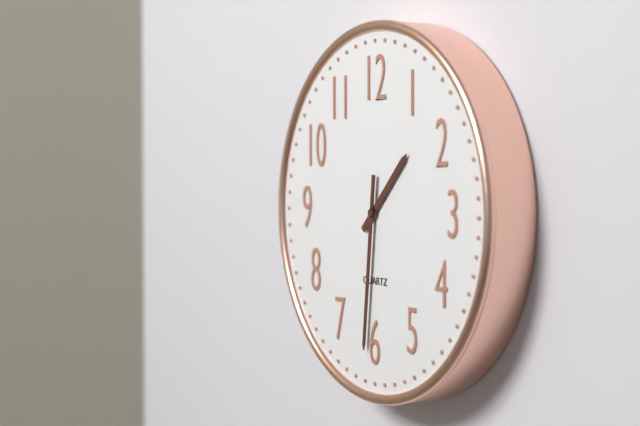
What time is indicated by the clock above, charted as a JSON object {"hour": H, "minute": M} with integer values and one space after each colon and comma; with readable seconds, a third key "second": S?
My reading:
{"hour": 1, "minute": 31}
